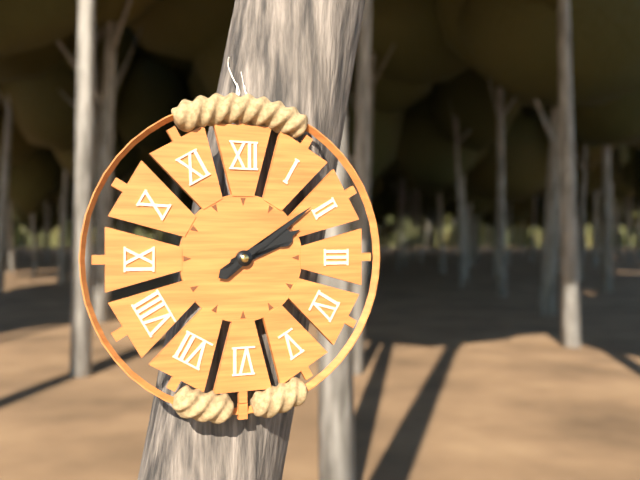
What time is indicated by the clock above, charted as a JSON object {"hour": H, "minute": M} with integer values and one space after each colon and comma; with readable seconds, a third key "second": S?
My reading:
{"hour": 2, "minute": 9}
